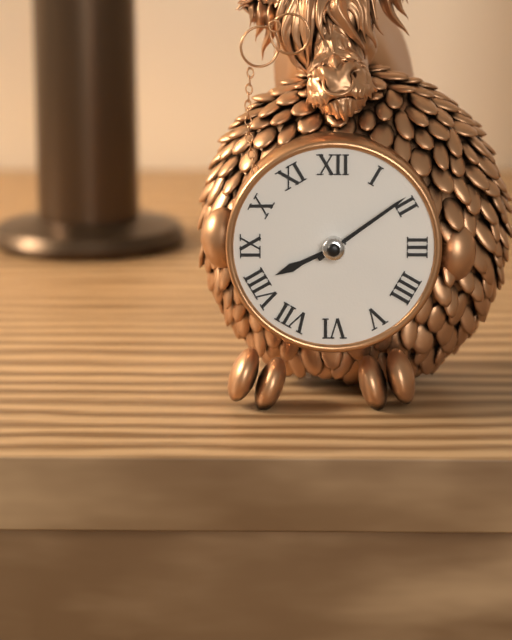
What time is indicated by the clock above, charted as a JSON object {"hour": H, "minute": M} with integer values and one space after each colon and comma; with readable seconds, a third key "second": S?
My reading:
{"hour": 8, "minute": 9}
